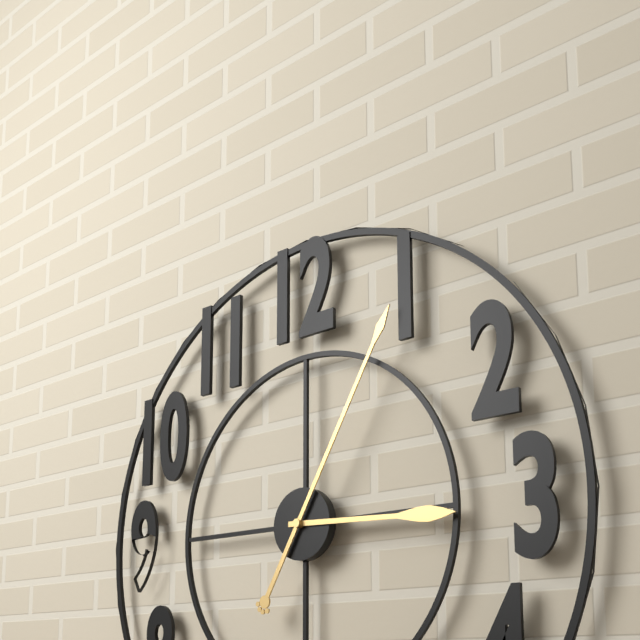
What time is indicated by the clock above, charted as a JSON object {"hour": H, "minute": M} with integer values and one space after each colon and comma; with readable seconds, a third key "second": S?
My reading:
{"hour": 3, "minute": 5}
